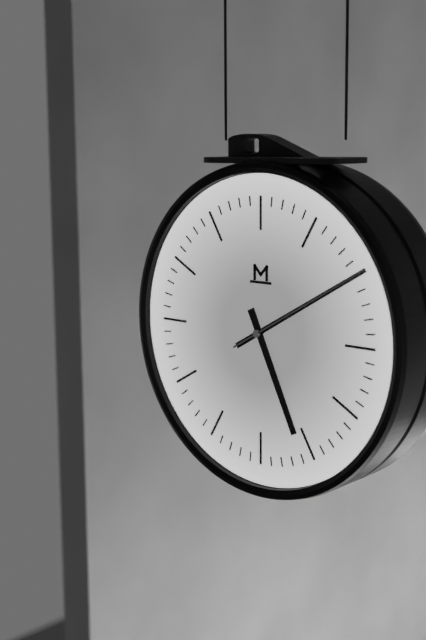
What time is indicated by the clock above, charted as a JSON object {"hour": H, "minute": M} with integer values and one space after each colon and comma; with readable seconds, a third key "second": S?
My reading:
{"hour": 5, "minute": 10, "second": 10}
